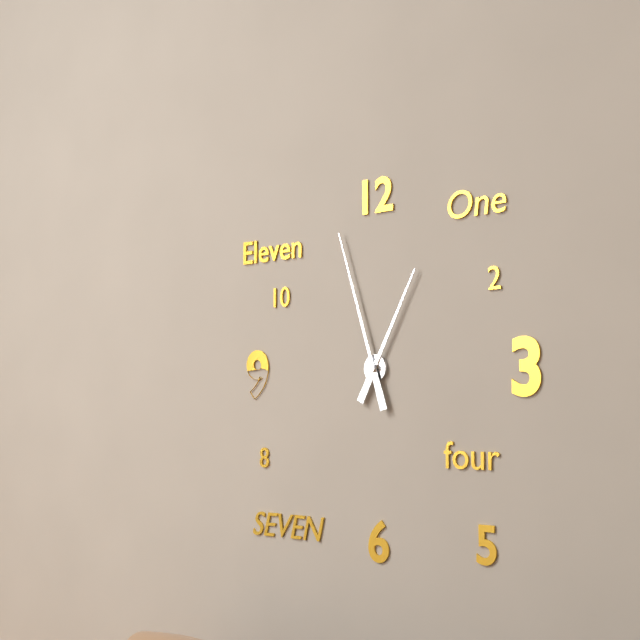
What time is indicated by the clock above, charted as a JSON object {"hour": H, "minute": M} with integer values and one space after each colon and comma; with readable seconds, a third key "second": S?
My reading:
{"hour": 12, "minute": 57}
